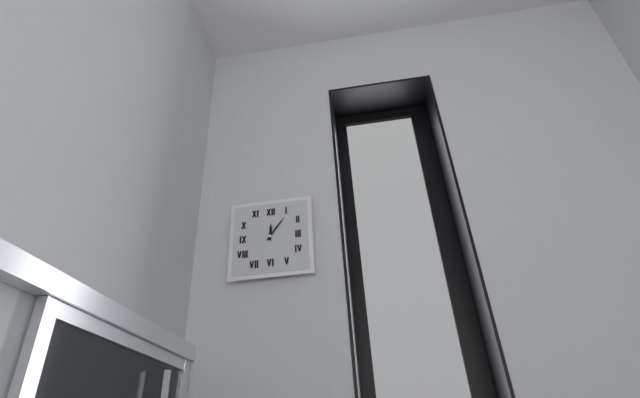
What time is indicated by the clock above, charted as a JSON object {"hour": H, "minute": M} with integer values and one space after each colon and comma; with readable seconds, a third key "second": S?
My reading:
{"hour": 12, "minute": 6}
